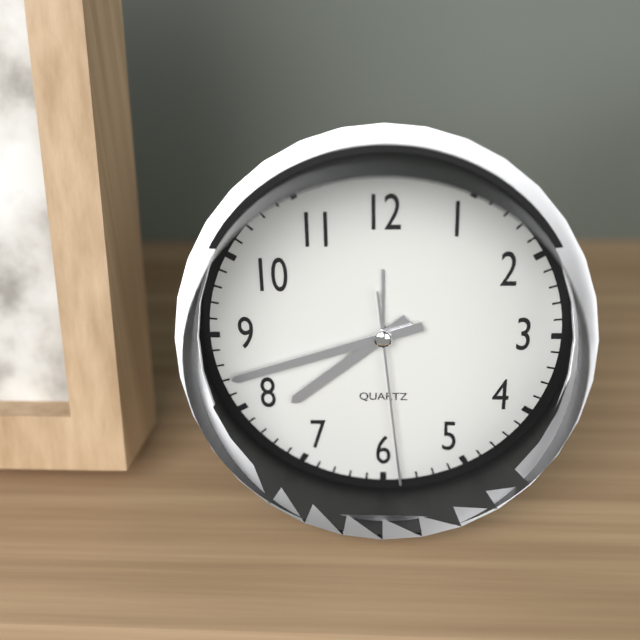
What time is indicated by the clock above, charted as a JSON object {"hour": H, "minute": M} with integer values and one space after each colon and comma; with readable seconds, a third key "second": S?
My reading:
{"hour": 7, "minute": 42, "second": 29}
